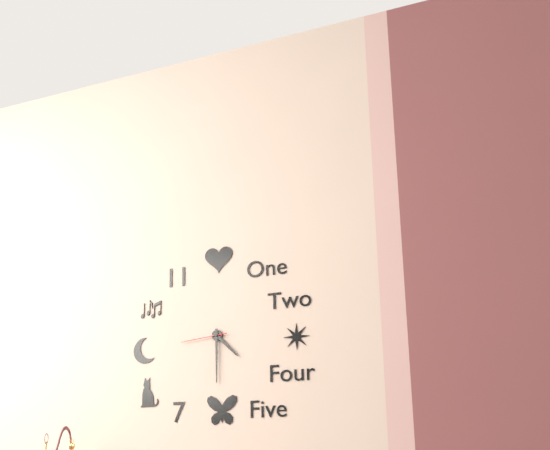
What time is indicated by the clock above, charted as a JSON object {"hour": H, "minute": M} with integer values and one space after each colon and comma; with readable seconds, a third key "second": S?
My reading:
{"hour": 4, "minute": 30}
